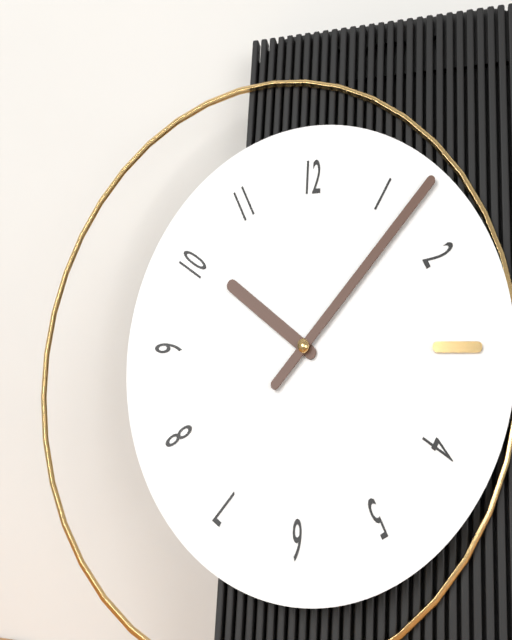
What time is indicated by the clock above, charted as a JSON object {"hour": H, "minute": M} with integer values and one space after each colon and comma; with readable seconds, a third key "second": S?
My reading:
{"hour": 10, "minute": 7}
